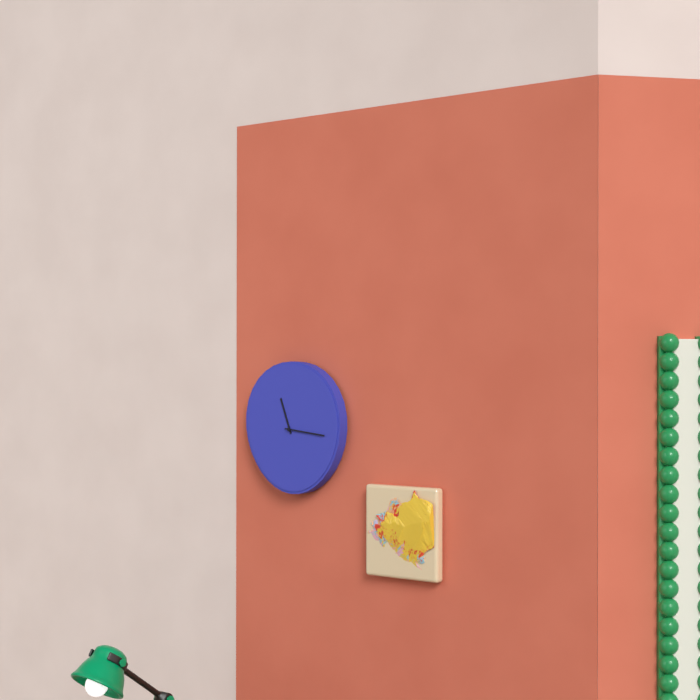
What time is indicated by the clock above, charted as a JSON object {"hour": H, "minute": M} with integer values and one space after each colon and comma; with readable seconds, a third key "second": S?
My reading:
{"hour": 11, "minute": 16}
